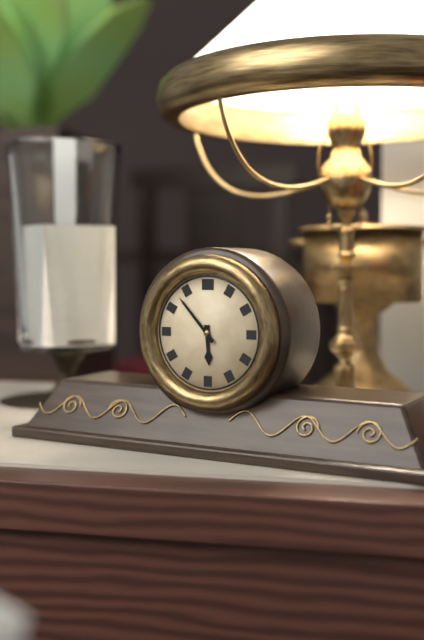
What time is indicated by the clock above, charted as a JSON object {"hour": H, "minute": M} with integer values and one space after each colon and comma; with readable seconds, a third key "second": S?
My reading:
{"hour": 5, "minute": 53}
